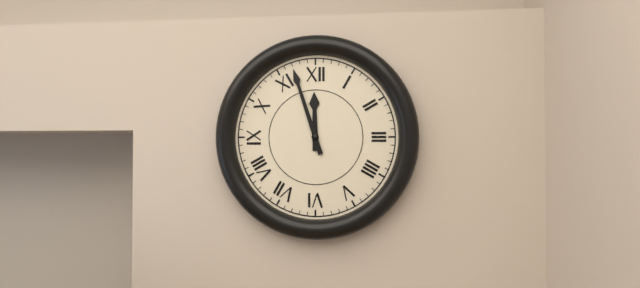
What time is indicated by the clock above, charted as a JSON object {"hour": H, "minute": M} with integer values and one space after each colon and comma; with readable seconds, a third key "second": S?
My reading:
{"hour": 11, "minute": 57}
